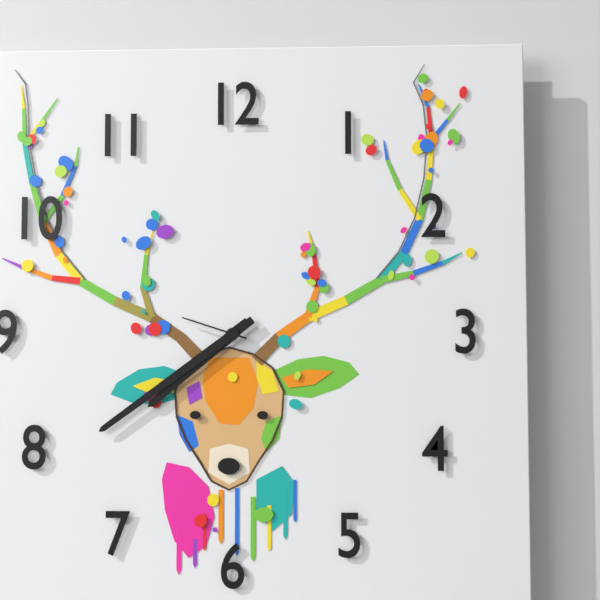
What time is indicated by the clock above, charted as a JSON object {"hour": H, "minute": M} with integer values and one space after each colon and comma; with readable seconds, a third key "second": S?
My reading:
{"hour": 7, "minute": 39, "second": 48}
